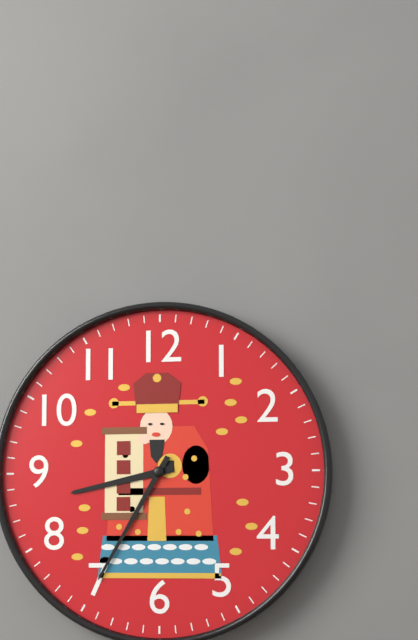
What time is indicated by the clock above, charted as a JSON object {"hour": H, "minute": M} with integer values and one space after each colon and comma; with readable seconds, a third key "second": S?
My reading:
{"hour": 8, "minute": 35}
